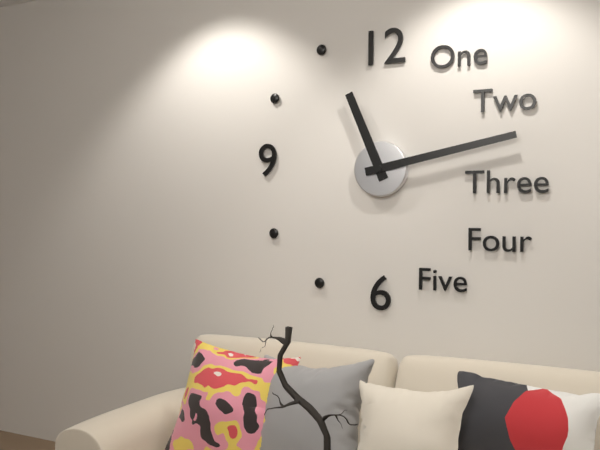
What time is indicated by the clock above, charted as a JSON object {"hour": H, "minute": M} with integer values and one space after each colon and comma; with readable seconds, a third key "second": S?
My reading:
{"hour": 11, "minute": 13}
